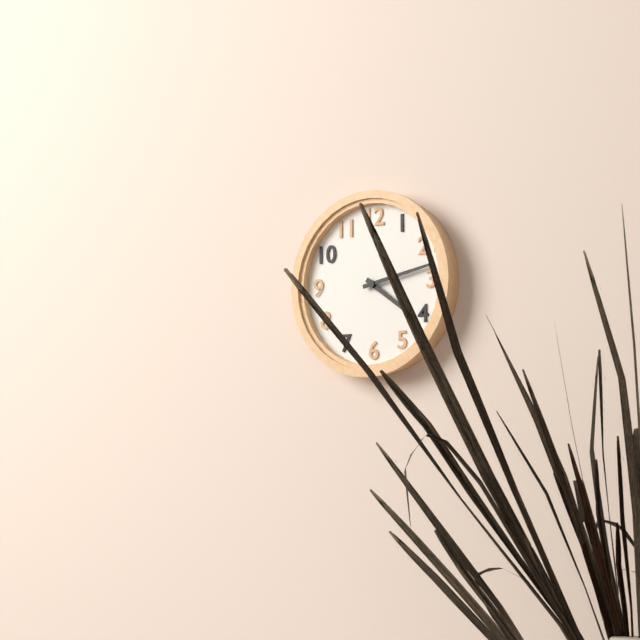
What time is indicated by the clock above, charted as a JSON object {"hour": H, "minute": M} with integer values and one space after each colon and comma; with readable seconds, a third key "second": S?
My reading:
{"hour": 4, "minute": 13}
